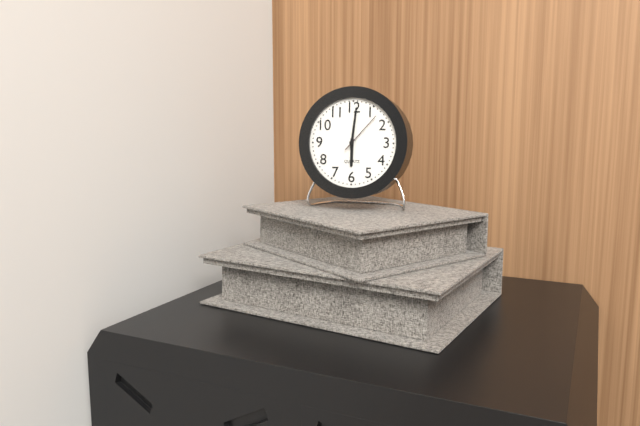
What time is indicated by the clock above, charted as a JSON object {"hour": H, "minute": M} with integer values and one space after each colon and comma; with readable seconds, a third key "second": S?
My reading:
{"hour": 6, "minute": 1}
